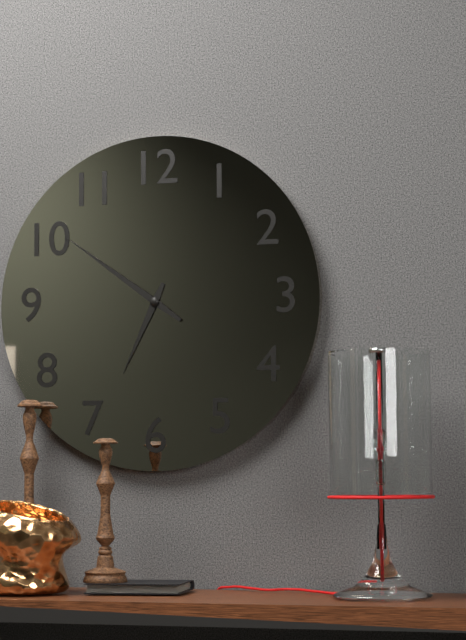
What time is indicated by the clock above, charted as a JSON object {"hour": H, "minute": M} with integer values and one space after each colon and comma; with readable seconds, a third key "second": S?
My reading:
{"hour": 6, "minute": 51}
